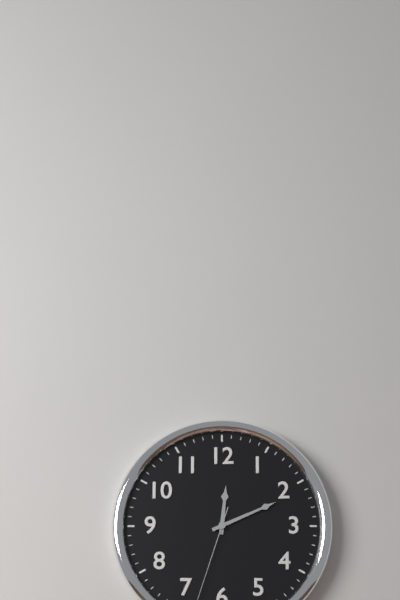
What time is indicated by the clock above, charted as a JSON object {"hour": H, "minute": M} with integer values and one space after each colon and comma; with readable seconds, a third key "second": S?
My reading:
{"hour": 12, "minute": 11}
